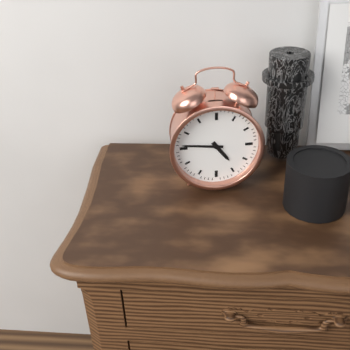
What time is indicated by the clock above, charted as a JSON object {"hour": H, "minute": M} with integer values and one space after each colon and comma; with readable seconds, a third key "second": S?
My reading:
{"hour": 4, "minute": 46}
